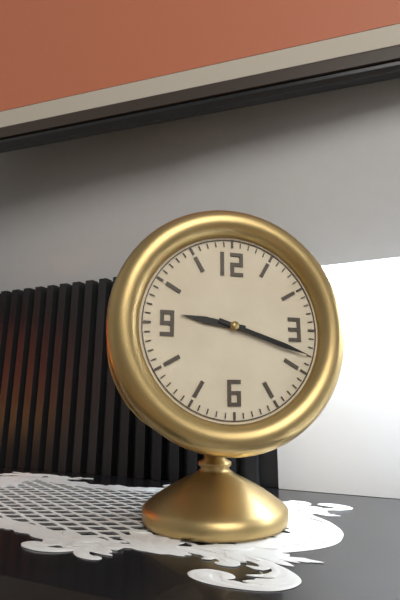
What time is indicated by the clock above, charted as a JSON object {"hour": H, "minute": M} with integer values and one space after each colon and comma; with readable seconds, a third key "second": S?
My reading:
{"hour": 9, "minute": 18}
